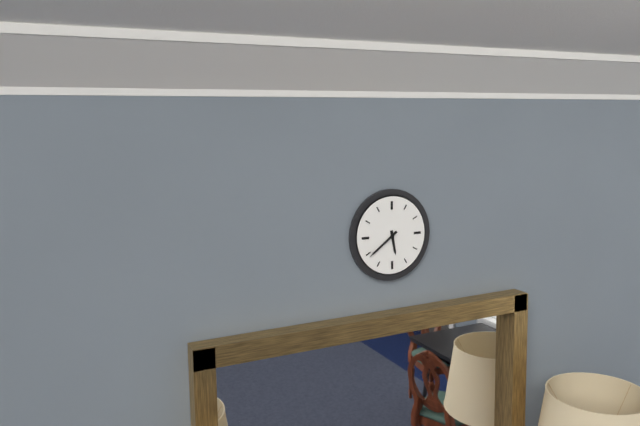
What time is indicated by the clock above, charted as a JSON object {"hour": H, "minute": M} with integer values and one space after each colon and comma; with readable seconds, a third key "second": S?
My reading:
{"hour": 5, "minute": 39}
